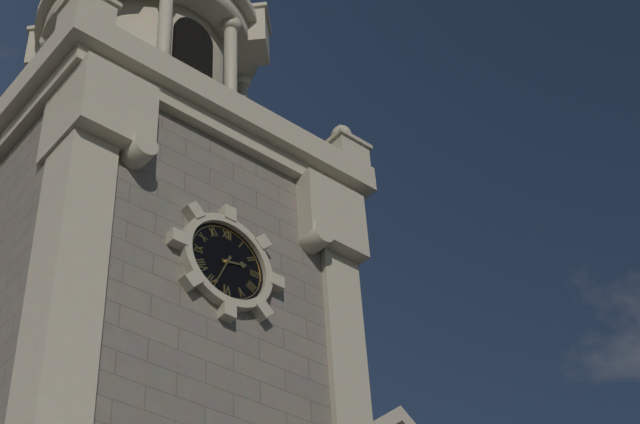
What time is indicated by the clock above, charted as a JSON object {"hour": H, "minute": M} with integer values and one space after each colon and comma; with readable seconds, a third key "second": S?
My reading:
{"hour": 2, "minute": 34}
